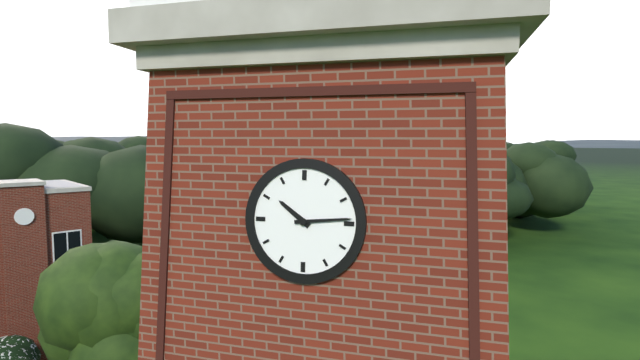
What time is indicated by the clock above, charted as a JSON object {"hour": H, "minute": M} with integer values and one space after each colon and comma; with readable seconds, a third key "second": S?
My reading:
{"hour": 10, "minute": 14}
